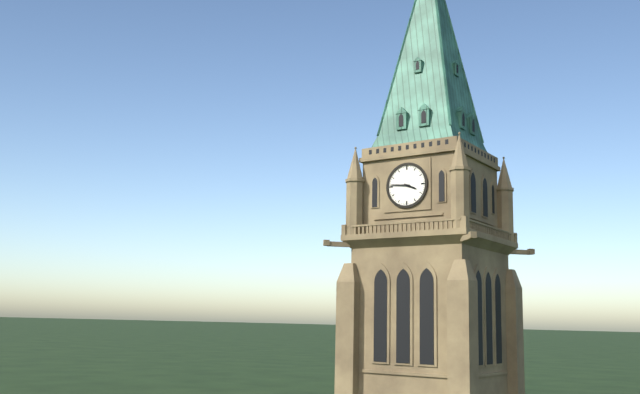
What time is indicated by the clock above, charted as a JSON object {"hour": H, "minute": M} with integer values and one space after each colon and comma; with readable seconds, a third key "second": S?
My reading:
{"hour": 3, "minute": 46}
